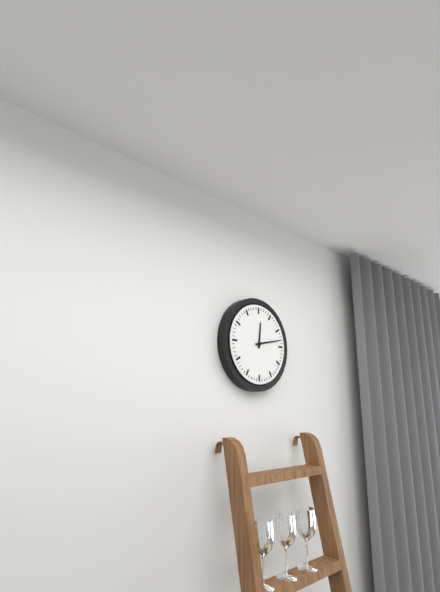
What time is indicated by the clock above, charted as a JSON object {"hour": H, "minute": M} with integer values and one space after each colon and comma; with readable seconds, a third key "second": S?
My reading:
{"hour": 12, "minute": 13}
